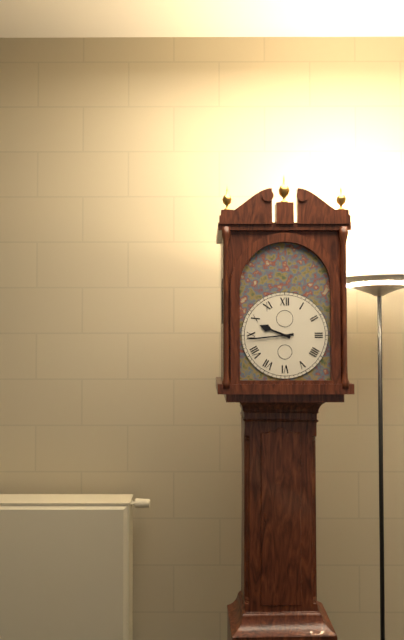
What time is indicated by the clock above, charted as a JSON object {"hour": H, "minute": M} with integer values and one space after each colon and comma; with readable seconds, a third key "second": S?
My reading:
{"hour": 9, "minute": 44}
